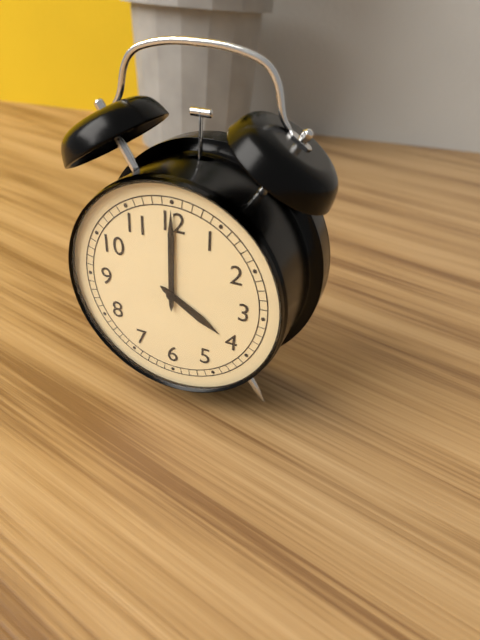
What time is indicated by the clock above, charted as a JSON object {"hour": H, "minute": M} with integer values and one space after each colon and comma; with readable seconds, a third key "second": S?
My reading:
{"hour": 4, "minute": 0}
